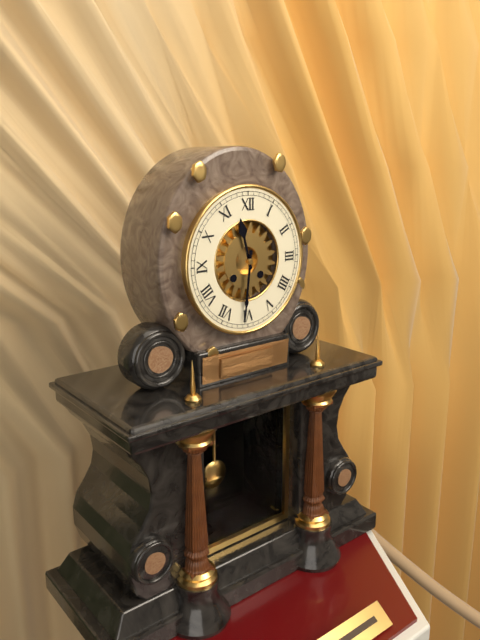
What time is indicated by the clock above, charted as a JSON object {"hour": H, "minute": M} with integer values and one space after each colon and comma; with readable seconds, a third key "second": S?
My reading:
{"hour": 11, "minute": 31}
